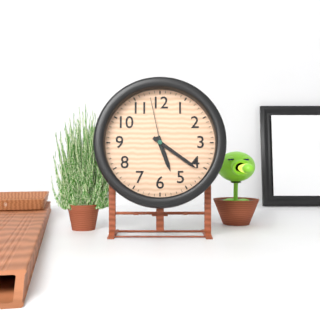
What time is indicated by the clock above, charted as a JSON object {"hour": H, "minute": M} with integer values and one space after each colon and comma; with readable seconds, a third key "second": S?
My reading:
{"hour": 5, "minute": 21, "second": 58}
